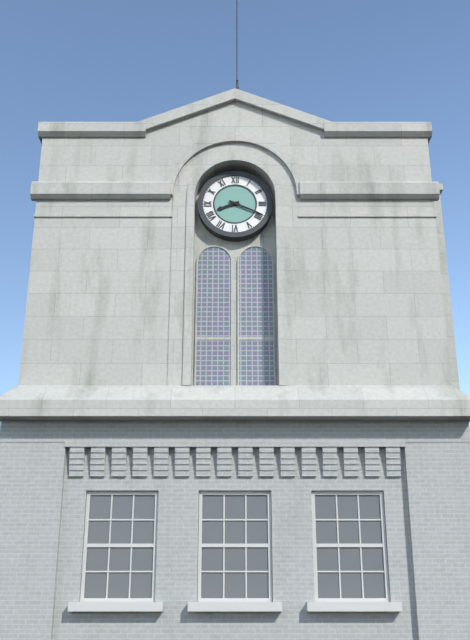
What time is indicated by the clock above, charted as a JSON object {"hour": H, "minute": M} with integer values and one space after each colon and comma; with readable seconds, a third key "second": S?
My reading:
{"hour": 8, "minute": 19}
